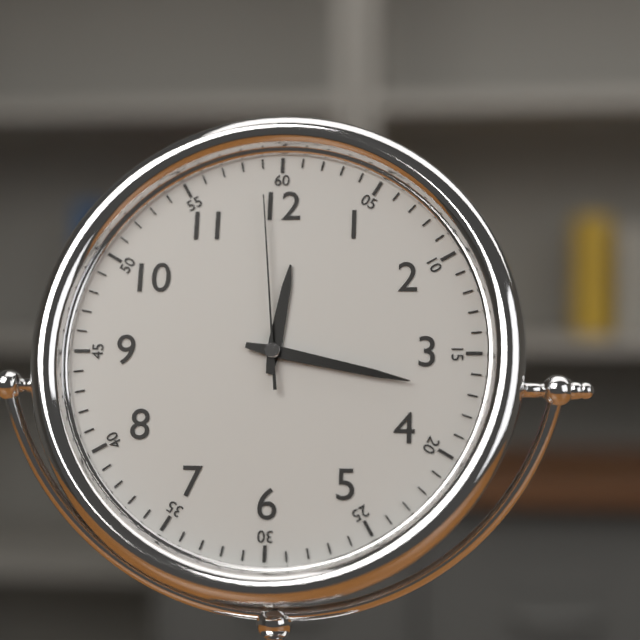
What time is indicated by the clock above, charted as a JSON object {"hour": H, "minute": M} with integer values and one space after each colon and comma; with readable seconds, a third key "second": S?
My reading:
{"hour": 12, "minute": 17, "second": 59}
